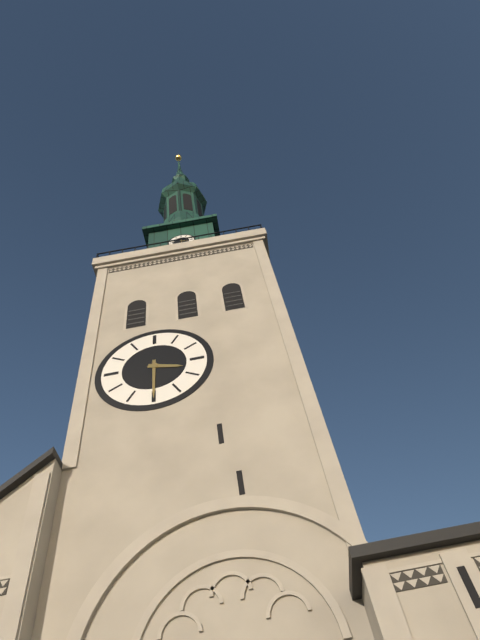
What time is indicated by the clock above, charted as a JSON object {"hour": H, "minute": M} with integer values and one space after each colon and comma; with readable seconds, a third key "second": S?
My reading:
{"hour": 3, "minute": 30}
